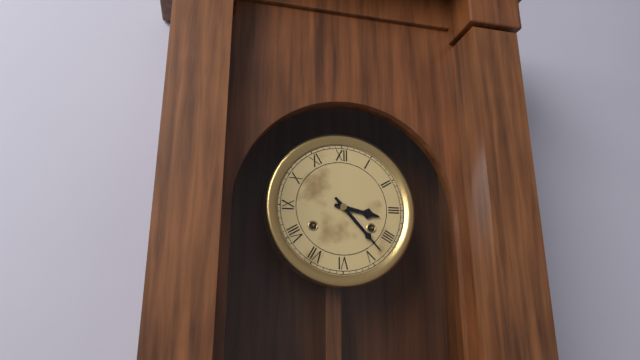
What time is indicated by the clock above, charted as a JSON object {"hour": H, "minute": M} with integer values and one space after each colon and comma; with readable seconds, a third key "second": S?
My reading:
{"hour": 3, "minute": 23}
